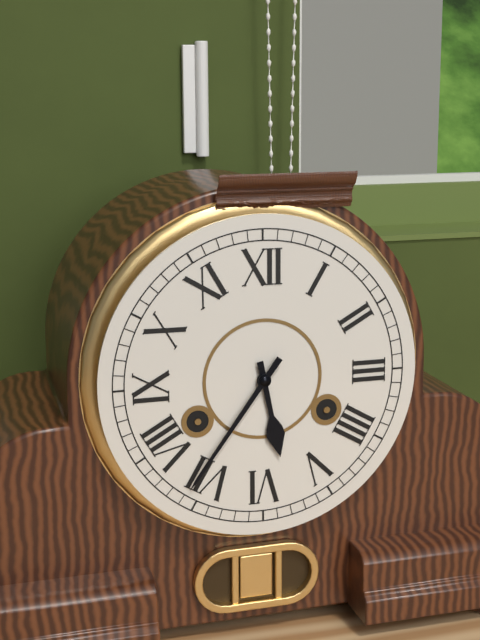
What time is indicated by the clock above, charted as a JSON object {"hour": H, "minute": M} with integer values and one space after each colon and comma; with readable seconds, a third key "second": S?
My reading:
{"hour": 5, "minute": 36}
